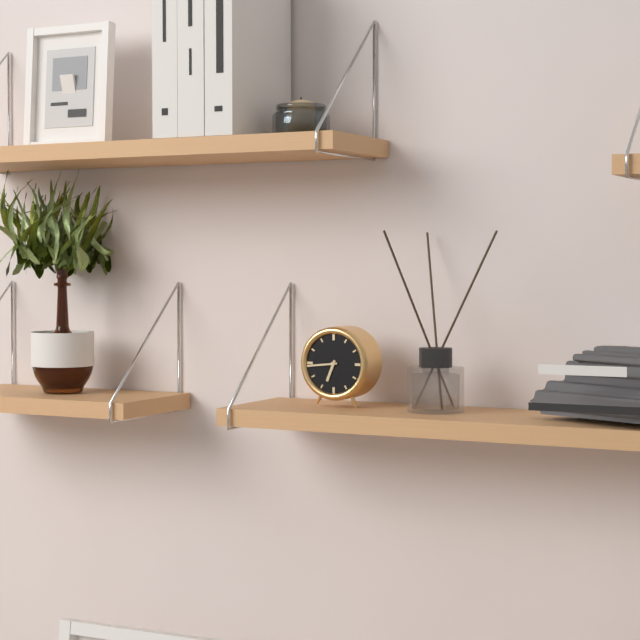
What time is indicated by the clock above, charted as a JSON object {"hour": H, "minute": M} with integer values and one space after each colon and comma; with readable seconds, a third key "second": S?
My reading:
{"hour": 6, "minute": 44}
